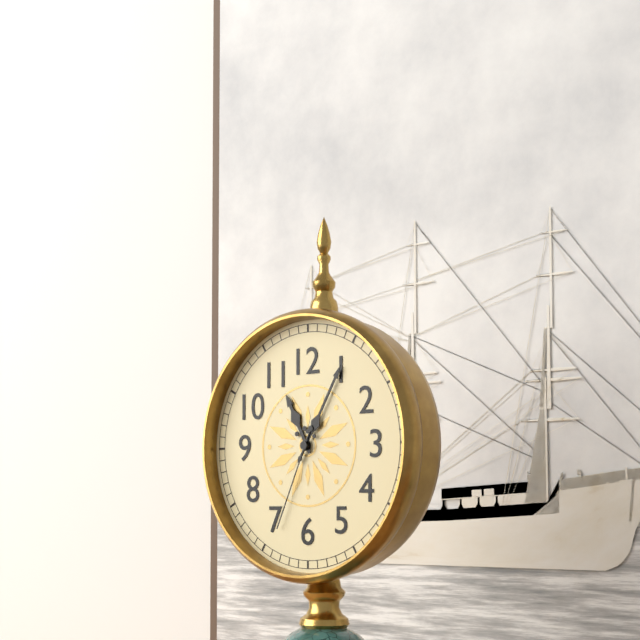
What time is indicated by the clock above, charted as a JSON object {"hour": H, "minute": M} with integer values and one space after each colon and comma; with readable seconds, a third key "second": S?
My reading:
{"hour": 11, "minute": 5, "second": 34}
